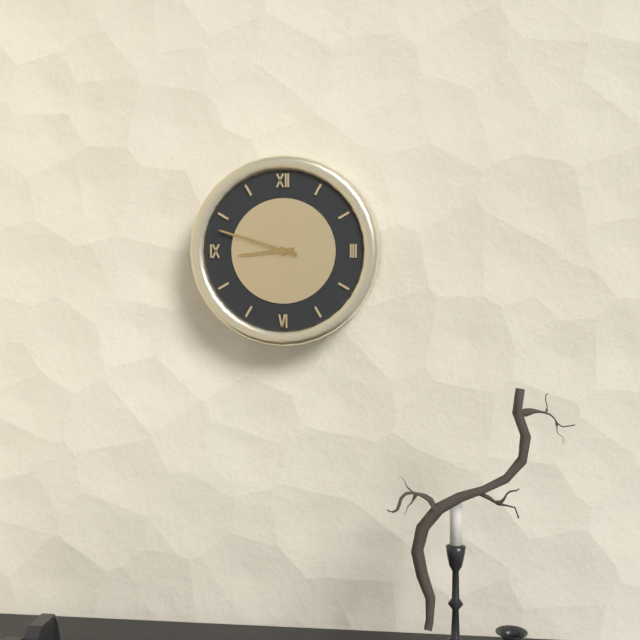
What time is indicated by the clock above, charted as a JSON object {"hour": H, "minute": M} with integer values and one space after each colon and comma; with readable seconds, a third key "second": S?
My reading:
{"hour": 8, "minute": 48}
